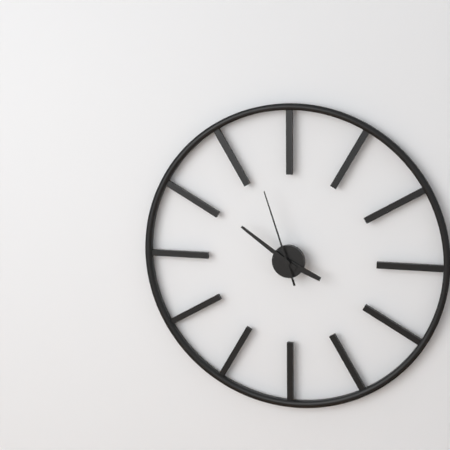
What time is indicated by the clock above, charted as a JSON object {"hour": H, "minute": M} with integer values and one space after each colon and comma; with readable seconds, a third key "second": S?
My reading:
{"hour": 3, "minute": 51, "second": 57}
